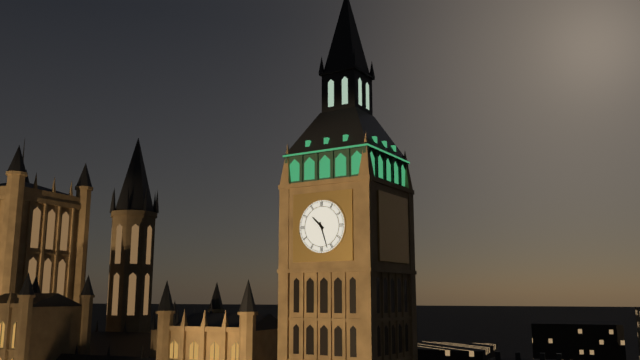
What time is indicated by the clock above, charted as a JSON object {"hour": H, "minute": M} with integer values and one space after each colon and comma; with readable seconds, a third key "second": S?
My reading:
{"hour": 10, "minute": 27}
